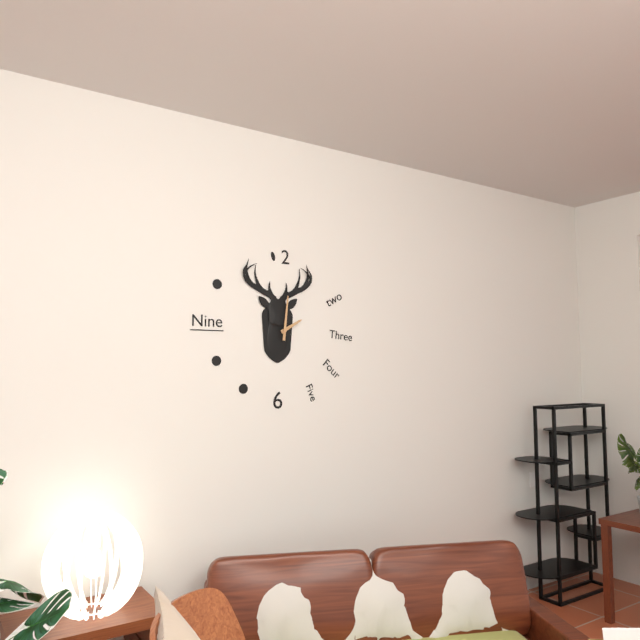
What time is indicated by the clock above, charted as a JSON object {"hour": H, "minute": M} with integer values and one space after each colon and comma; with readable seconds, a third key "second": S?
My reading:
{"hour": 2, "minute": 1}
